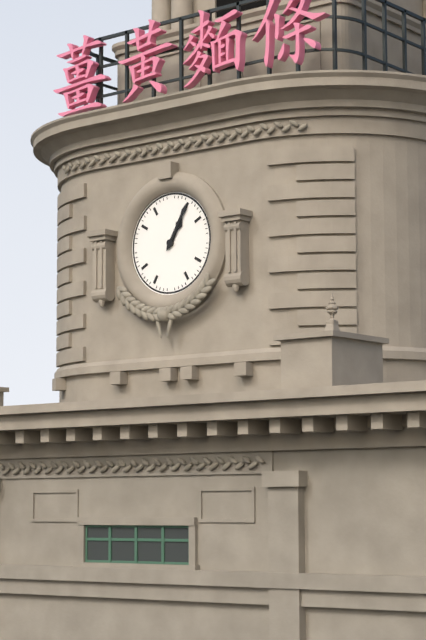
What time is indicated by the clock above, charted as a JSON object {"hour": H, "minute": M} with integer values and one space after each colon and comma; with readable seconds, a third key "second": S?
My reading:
{"hour": 1, "minute": 5}
